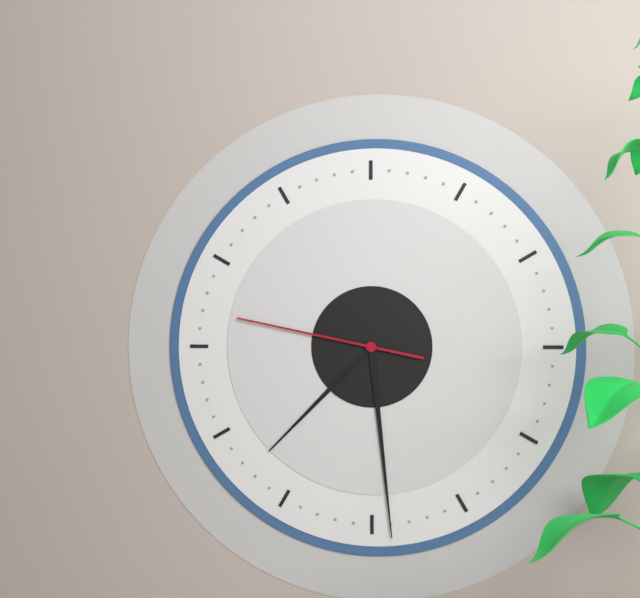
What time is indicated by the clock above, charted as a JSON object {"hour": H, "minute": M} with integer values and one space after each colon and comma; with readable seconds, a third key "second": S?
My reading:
{"hour": 7, "minute": 29, "second": 47}
